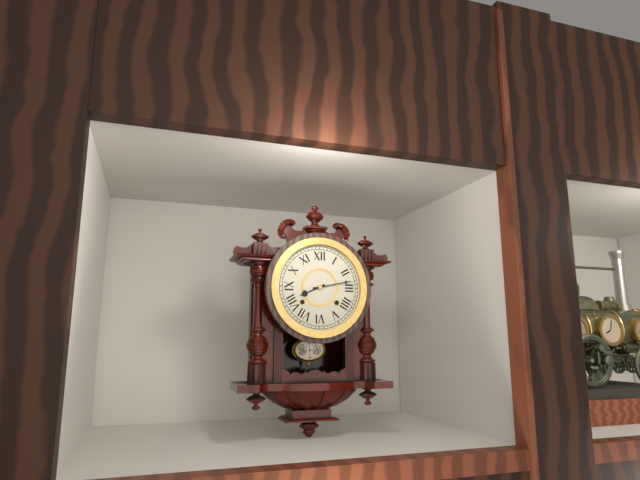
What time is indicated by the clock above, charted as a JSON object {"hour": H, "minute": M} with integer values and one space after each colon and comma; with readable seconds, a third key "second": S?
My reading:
{"hour": 8, "minute": 13}
